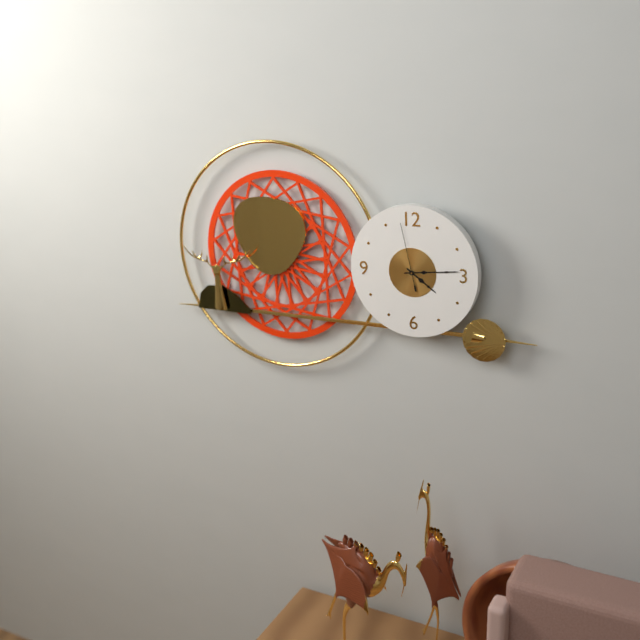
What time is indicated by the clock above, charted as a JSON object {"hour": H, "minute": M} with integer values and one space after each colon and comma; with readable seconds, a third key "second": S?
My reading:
{"hour": 4, "minute": 14, "second": 58}
